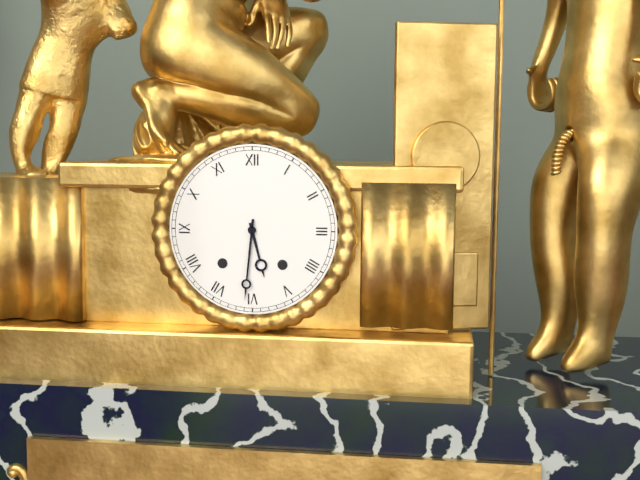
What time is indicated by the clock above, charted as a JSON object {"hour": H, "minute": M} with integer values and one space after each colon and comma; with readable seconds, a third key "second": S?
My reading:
{"hour": 5, "minute": 31}
